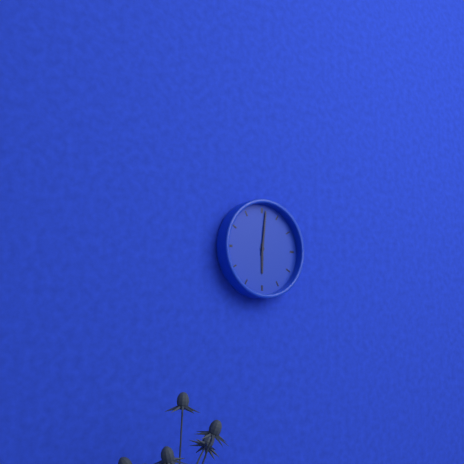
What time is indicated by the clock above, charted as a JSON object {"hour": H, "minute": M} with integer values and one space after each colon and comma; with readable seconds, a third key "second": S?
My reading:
{"hour": 6, "minute": 1}
